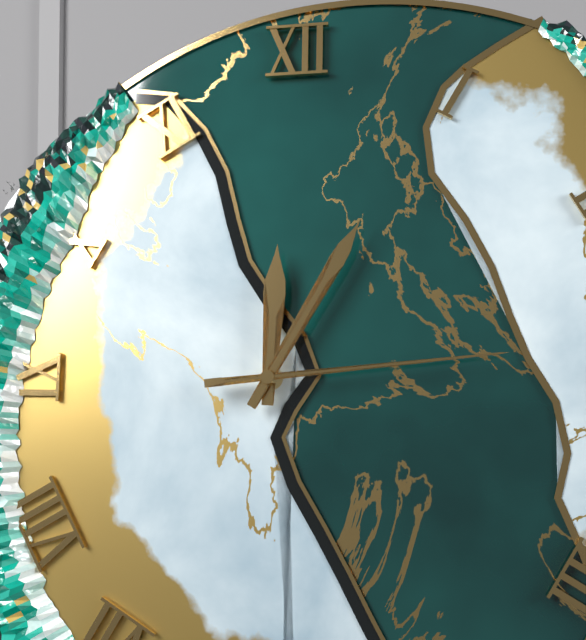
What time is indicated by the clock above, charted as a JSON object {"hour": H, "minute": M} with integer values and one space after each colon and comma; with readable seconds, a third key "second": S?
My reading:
{"hour": 12, "minute": 5, "second": 14}
